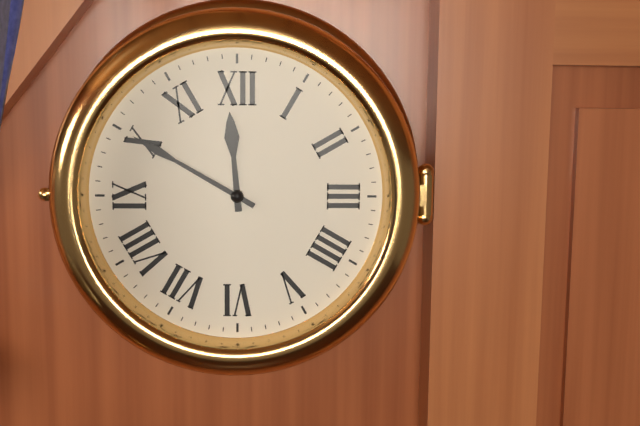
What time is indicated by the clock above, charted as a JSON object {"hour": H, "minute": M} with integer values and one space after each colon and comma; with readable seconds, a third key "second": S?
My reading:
{"hour": 11, "minute": 50}
